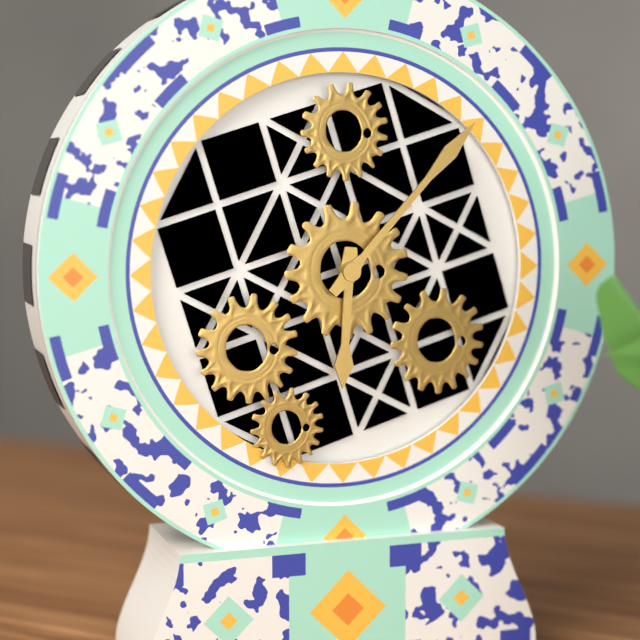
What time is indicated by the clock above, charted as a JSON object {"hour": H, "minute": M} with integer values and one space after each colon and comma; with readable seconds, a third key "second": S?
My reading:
{"hour": 6, "minute": 7}
